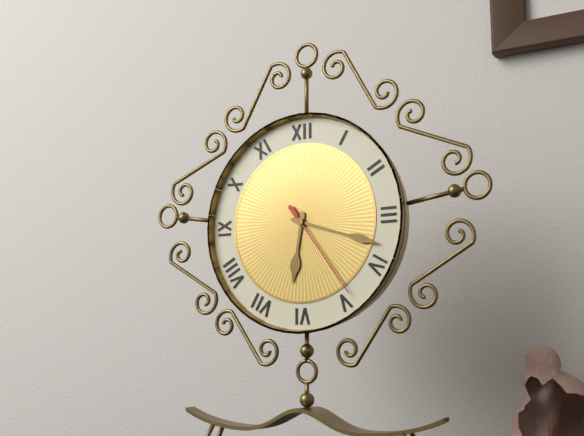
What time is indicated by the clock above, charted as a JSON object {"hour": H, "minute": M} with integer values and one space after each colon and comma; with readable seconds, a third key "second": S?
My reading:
{"hour": 6, "minute": 18, "second": 24}
